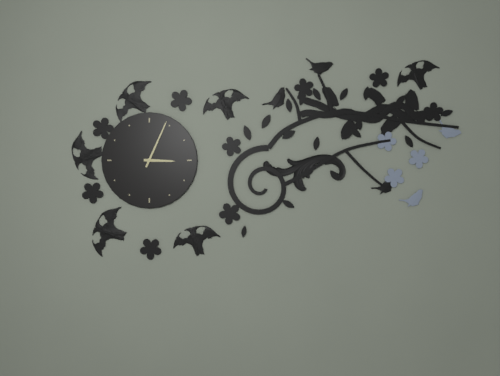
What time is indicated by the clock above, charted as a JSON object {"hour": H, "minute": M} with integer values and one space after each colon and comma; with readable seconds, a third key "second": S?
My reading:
{"hour": 3, "minute": 4}
